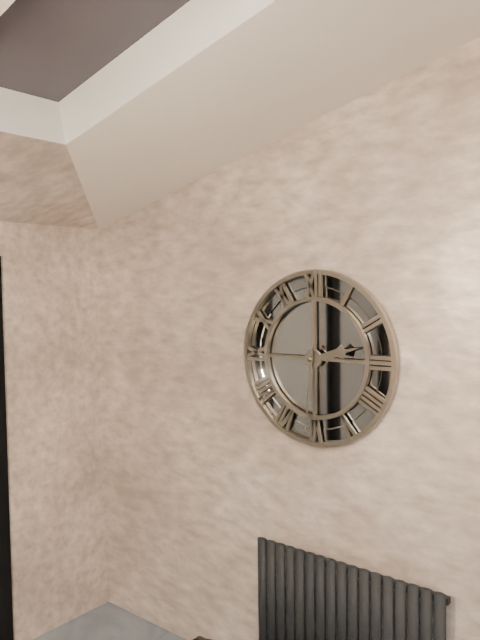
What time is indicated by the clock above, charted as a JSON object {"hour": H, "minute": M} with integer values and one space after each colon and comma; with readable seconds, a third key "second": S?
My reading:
{"hour": 2, "minute": 31}
